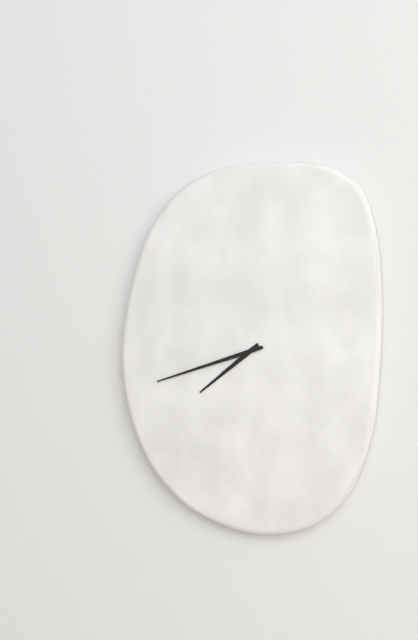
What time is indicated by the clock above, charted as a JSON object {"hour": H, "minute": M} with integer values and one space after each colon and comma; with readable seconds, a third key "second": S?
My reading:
{"hour": 7, "minute": 42}
